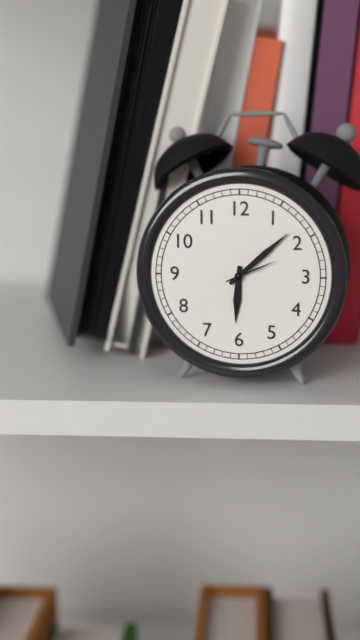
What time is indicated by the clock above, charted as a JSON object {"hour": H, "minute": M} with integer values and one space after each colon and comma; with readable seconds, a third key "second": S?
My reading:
{"hour": 6, "minute": 8, "second": 11}
